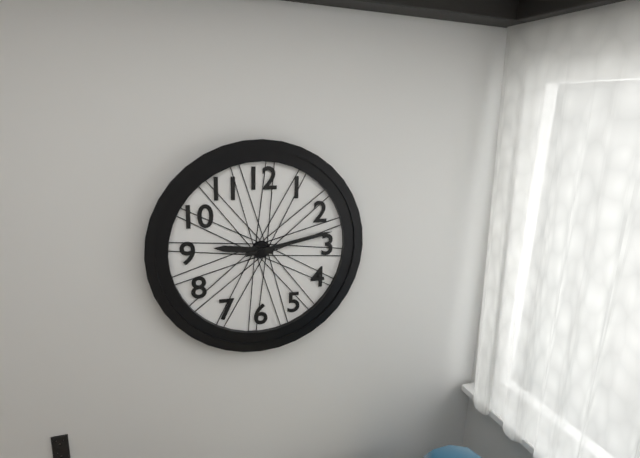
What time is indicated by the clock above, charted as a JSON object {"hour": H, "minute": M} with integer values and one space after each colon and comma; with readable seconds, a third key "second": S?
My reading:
{"hour": 9, "minute": 13}
